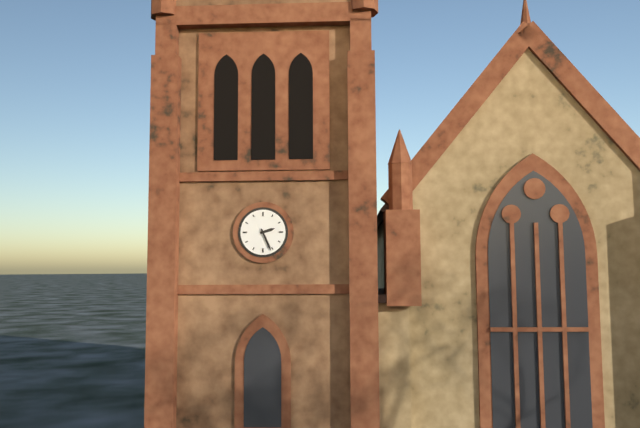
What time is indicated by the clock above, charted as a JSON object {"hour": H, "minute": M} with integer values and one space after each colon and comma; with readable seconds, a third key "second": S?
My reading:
{"hour": 2, "minute": 26}
